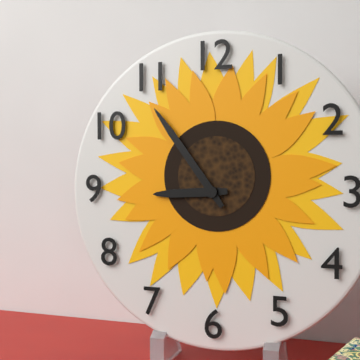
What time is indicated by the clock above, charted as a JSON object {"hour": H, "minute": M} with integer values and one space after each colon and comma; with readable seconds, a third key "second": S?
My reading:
{"hour": 8, "minute": 54}
